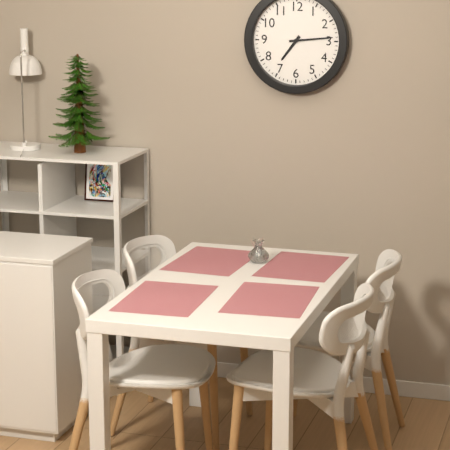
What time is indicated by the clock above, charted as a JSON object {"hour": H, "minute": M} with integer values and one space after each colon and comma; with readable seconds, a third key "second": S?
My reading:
{"hour": 7, "minute": 14}
